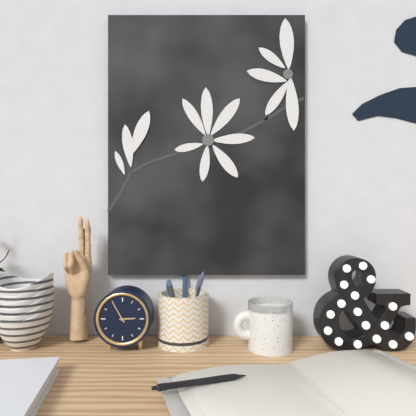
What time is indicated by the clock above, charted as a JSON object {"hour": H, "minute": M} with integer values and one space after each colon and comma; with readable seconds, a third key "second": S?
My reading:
{"hour": 2, "minute": 55}
